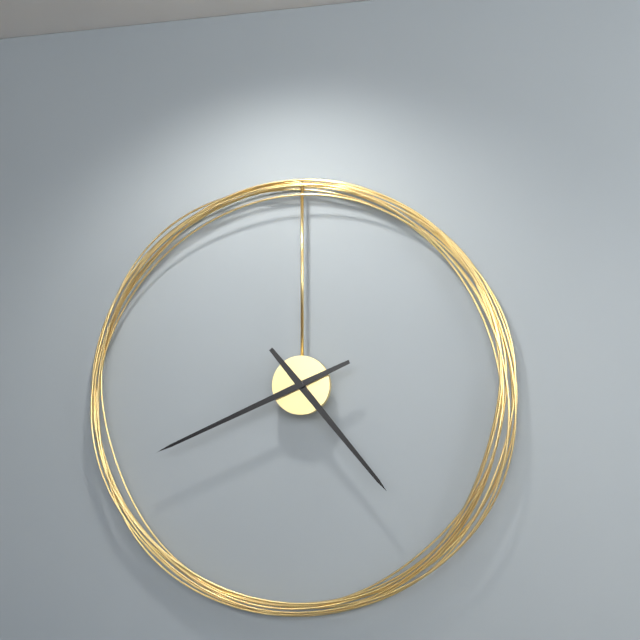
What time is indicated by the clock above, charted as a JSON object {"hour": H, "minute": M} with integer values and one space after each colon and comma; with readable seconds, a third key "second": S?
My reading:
{"hour": 4, "minute": 41}
